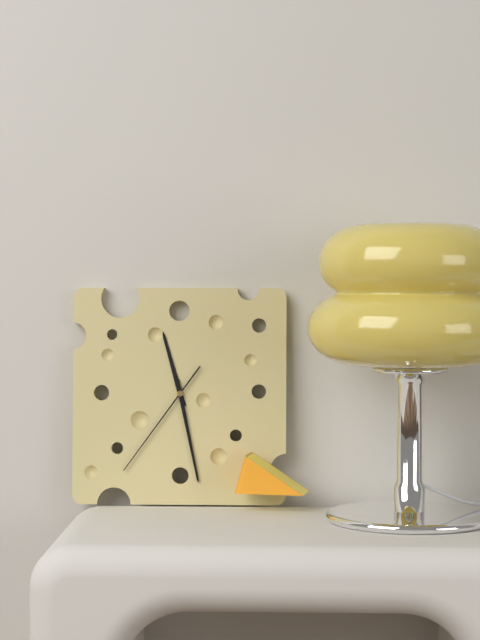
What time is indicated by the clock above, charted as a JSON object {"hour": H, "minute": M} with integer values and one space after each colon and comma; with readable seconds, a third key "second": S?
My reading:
{"hour": 11, "minute": 28, "second": 36}
